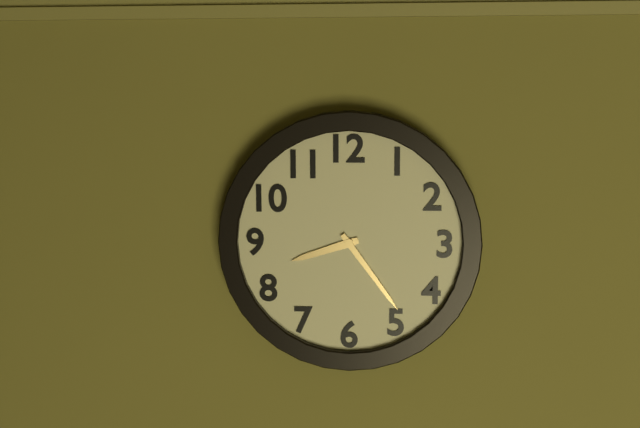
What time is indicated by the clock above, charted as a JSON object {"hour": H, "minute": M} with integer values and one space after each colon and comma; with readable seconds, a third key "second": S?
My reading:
{"hour": 8, "minute": 24}
